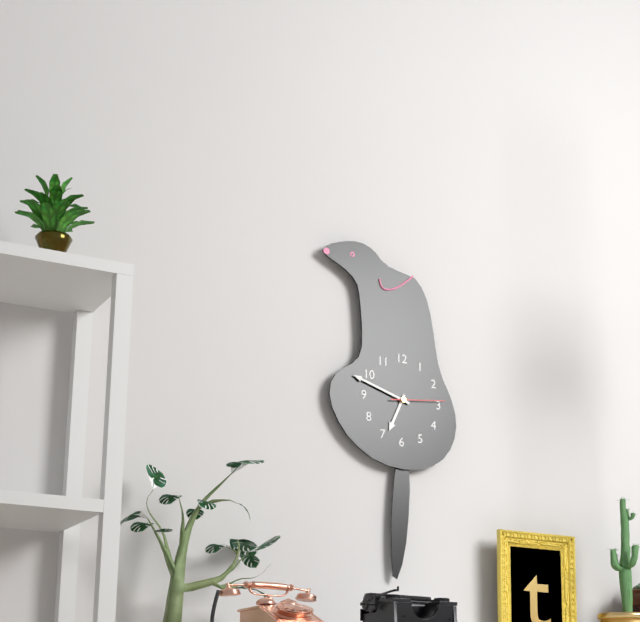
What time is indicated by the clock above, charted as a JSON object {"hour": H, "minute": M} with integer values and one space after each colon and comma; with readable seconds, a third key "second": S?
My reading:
{"hour": 6, "minute": 48, "second": 14}
